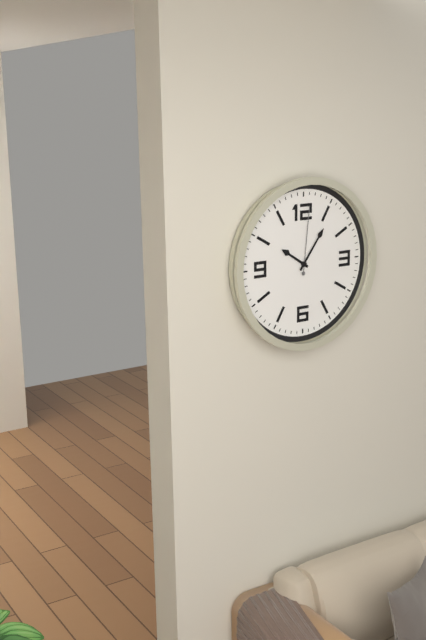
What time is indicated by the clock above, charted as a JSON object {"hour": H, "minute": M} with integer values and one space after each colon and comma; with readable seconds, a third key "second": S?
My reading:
{"hour": 10, "minute": 6, "second": 1}
